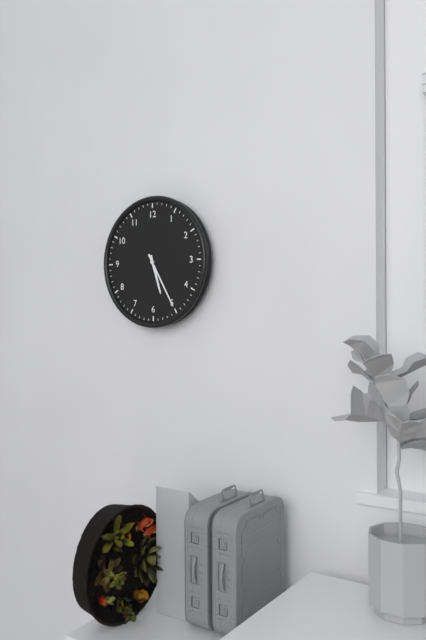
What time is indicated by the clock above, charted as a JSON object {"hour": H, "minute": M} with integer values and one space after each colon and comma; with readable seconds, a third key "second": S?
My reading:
{"hour": 5, "minute": 25}
